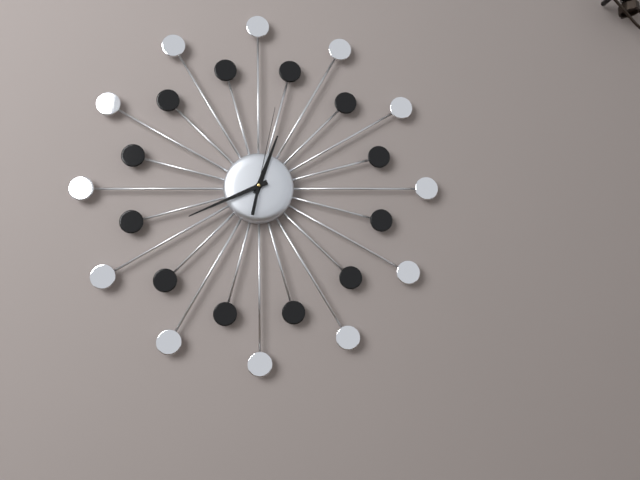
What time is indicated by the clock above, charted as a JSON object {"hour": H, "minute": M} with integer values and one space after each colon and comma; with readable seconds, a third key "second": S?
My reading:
{"hour": 12, "minute": 41, "second": 2}
